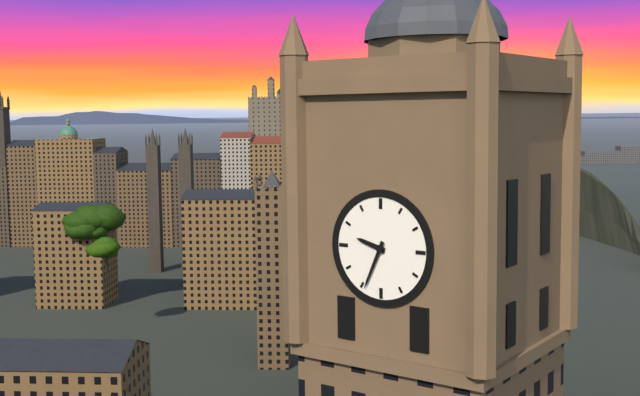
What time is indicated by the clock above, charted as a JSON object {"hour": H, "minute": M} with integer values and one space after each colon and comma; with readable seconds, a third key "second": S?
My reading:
{"hour": 9, "minute": 34}
